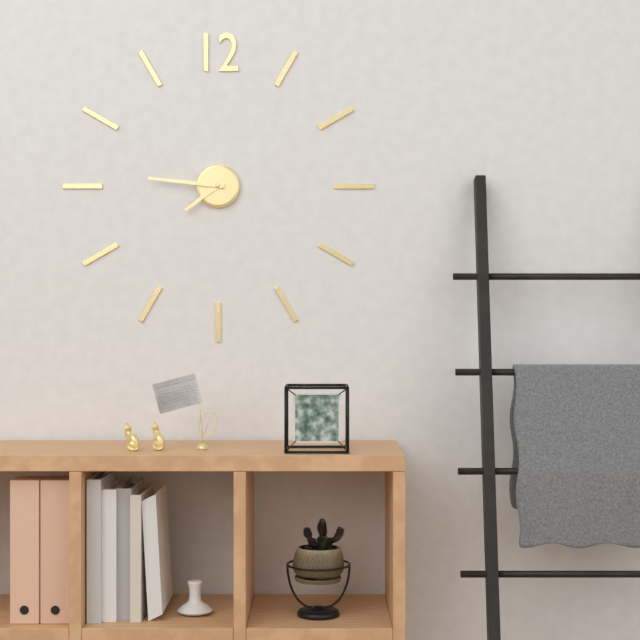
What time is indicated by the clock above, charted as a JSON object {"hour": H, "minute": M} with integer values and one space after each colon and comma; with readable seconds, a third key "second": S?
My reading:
{"hour": 7, "minute": 46}
